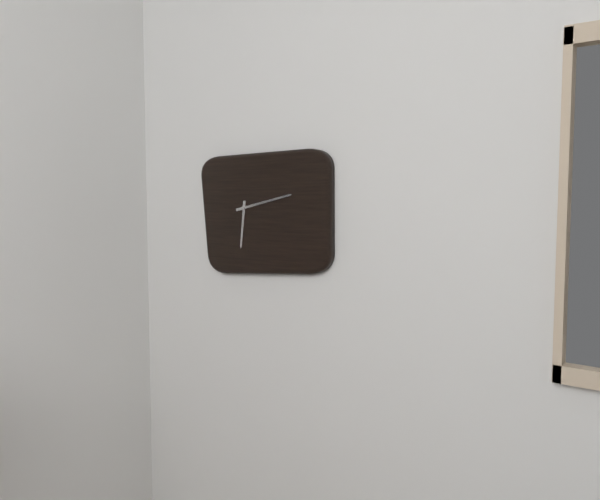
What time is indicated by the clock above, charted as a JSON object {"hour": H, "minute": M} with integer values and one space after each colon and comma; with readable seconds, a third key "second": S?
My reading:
{"hour": 6, "minute": 13}
